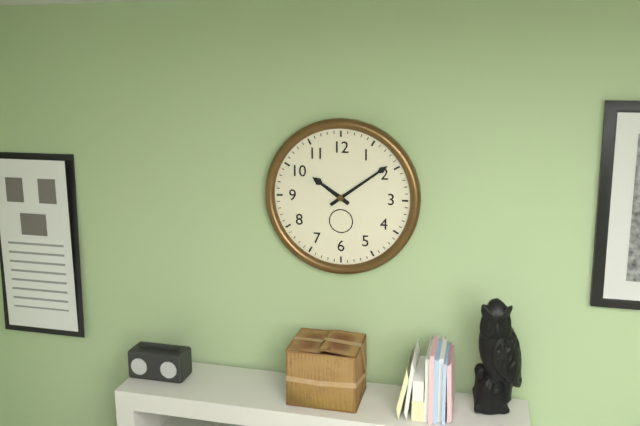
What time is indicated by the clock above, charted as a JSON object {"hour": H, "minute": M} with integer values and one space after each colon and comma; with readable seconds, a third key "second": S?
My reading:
{"hour": 10, "minute": 9}
